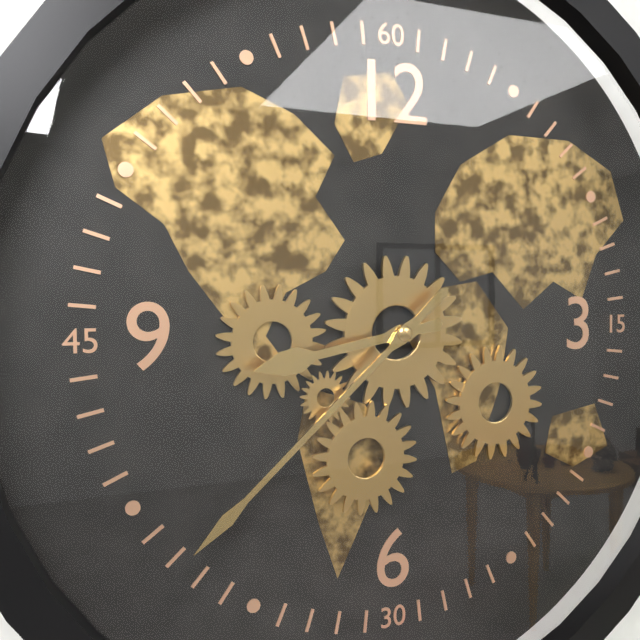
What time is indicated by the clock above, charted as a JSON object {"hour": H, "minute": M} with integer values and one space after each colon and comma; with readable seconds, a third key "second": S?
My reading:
{"hour": 8, "minute": 38}
